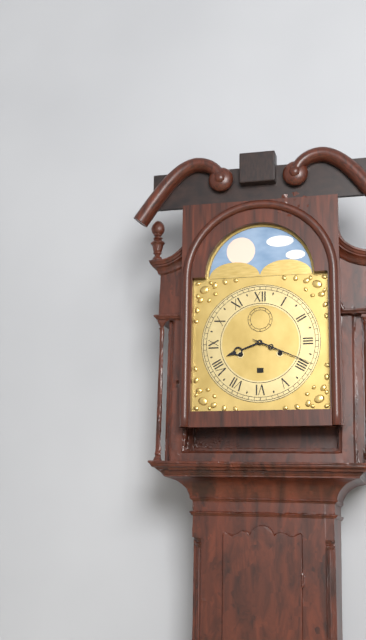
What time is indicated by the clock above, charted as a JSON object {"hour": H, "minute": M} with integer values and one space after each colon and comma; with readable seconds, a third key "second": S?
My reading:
{"hour": 8, "minute": 19}
